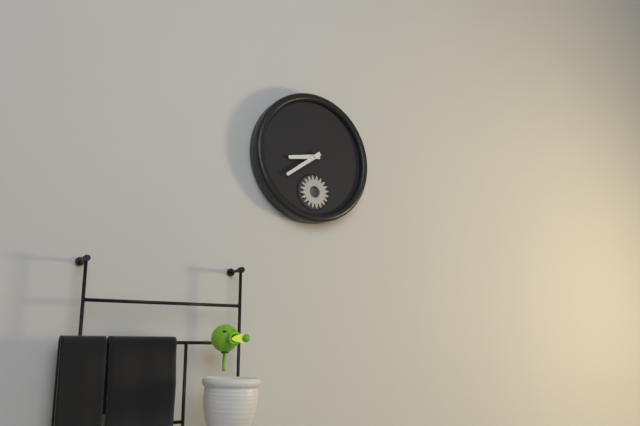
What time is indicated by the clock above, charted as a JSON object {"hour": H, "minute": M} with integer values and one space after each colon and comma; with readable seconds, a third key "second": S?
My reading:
{"hour": 8, "minute": 39}
